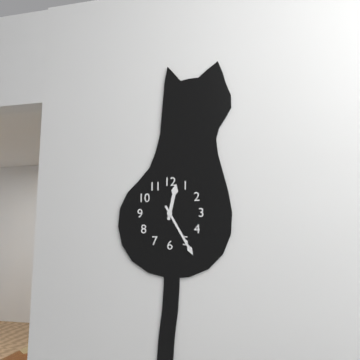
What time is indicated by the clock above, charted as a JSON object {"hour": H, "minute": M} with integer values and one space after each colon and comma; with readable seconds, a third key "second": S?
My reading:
{"hour": 12, "minute": 25}
